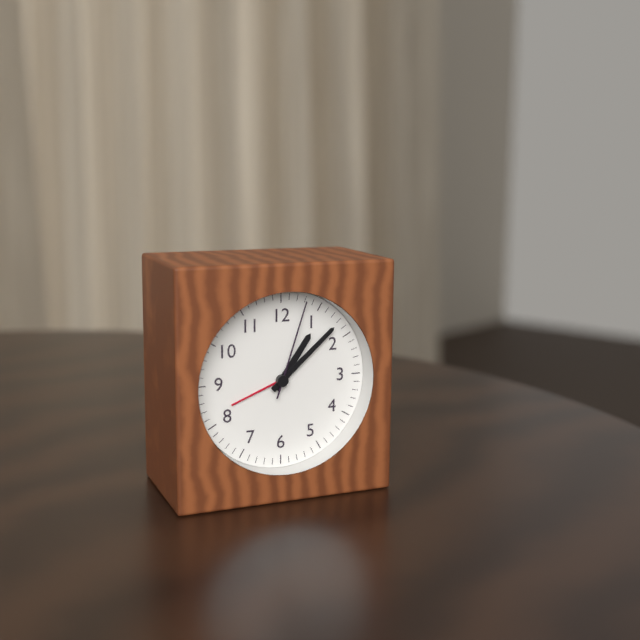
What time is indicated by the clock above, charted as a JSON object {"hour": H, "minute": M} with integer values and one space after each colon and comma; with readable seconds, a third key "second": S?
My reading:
{"hour": 1, "minute": 8, "second": 3}
